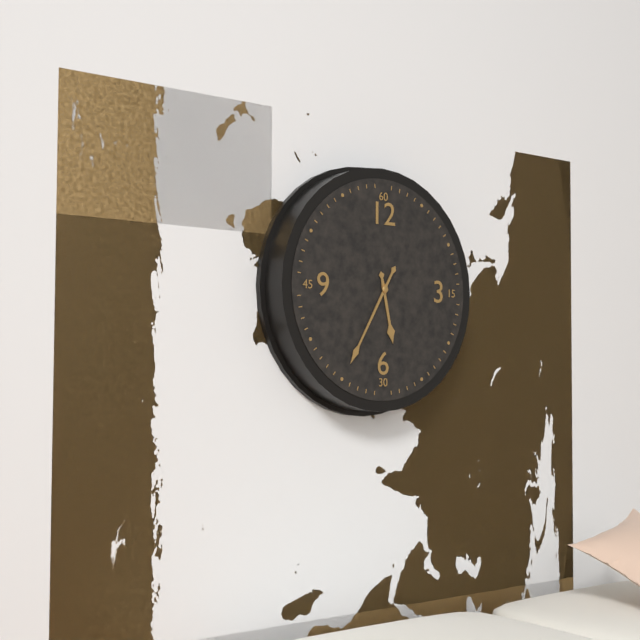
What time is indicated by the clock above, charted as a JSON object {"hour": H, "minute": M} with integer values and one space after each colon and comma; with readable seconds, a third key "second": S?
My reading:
{"hour": 5, "minute": 35}
